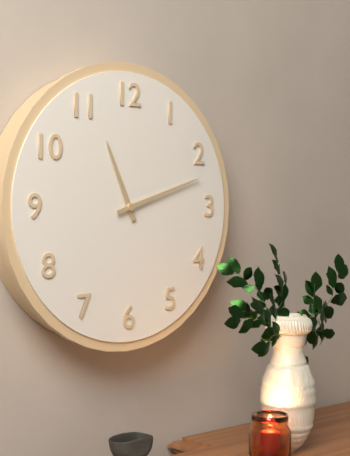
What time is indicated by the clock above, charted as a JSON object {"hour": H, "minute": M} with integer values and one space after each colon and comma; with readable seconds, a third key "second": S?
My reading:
{"hour": 11, "minute": 12}
